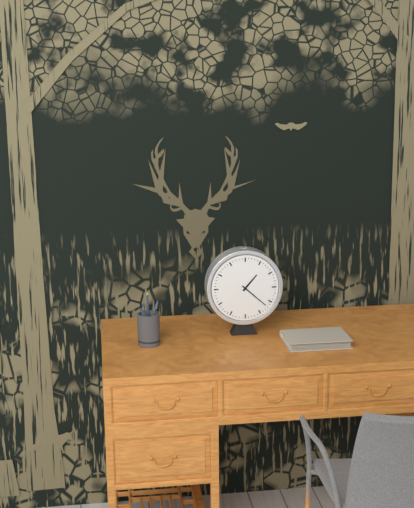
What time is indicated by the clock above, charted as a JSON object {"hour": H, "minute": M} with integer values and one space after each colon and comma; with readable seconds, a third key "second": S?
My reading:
{"hour": 1, "minute": 22}
